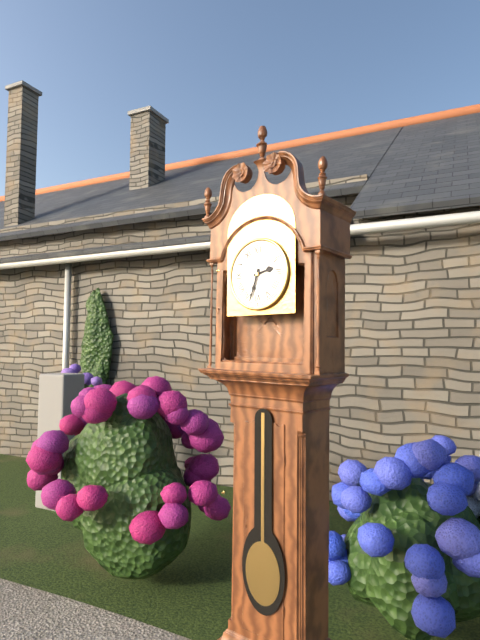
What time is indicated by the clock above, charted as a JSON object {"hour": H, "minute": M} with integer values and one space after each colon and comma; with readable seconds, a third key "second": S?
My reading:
{"hour": 2, "minute": 33}
